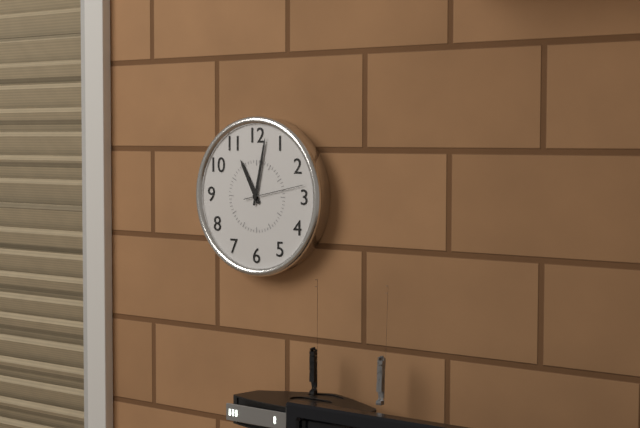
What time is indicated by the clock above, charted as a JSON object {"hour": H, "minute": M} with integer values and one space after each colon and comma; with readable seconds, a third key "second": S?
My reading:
{"hour": 11, "minute": 2, "second": 13}
